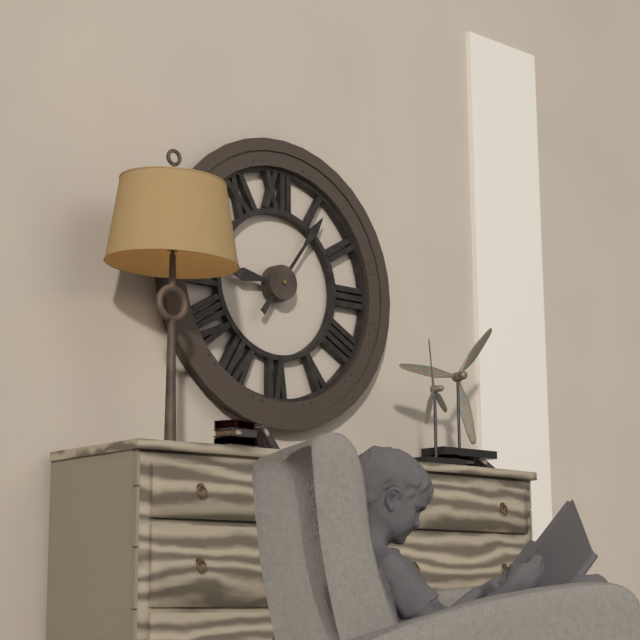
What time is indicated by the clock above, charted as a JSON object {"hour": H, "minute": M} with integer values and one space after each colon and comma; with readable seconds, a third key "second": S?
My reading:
{"hour": 9, "minute": 6}
